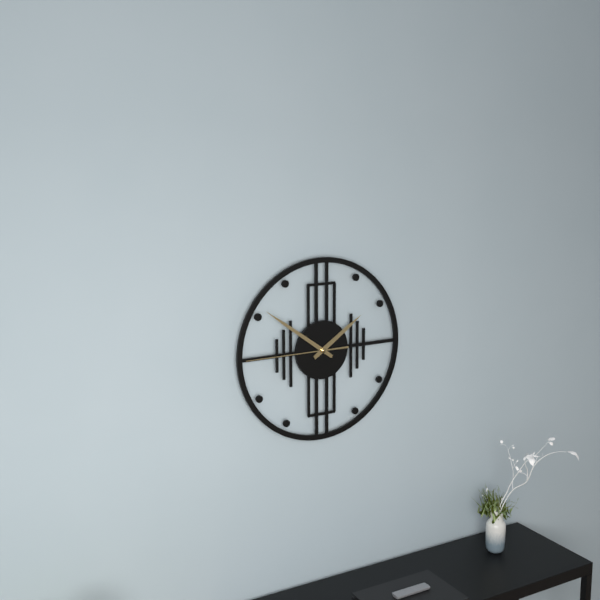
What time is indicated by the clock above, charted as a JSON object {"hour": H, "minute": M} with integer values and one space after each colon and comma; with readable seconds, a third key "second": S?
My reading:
{"hour": 1, "minute": 51, "second": 45}
